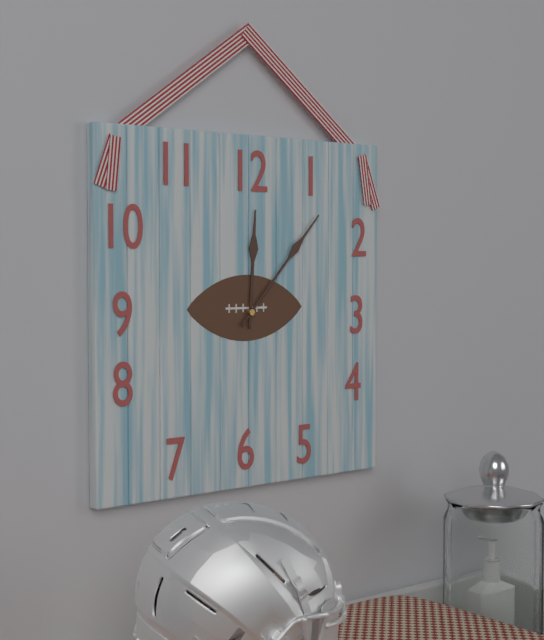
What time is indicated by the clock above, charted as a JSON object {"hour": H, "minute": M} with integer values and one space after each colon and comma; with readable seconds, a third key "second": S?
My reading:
{"hour": 12, "minute": 7}
